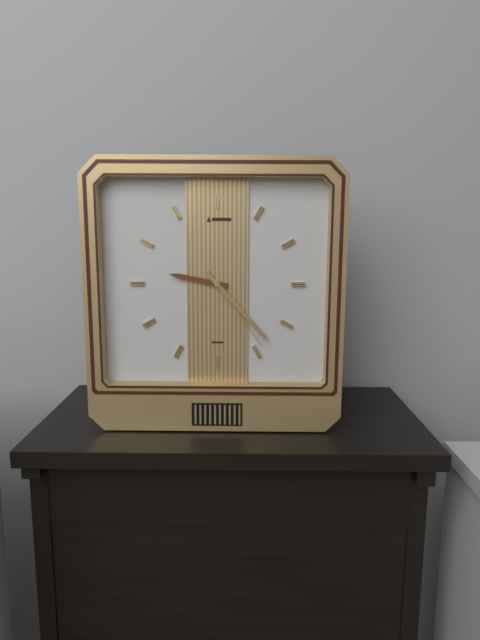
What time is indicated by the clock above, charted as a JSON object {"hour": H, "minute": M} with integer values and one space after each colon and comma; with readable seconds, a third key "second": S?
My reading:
{"hour": 9, "minute": 23, "second": 24}
